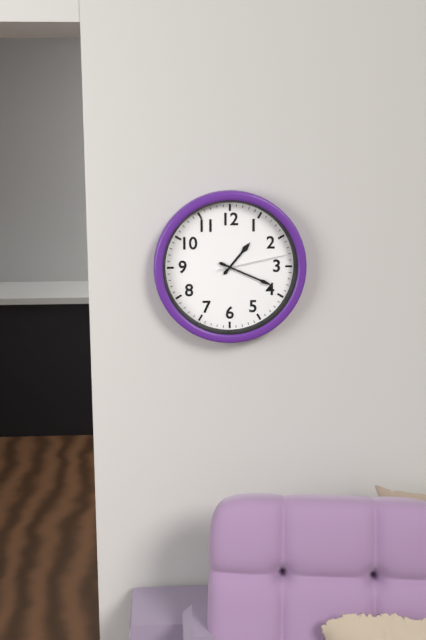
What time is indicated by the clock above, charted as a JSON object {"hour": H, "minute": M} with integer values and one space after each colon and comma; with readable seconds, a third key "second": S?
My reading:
{"hour": 1, "minute": 19, "second": 13}
